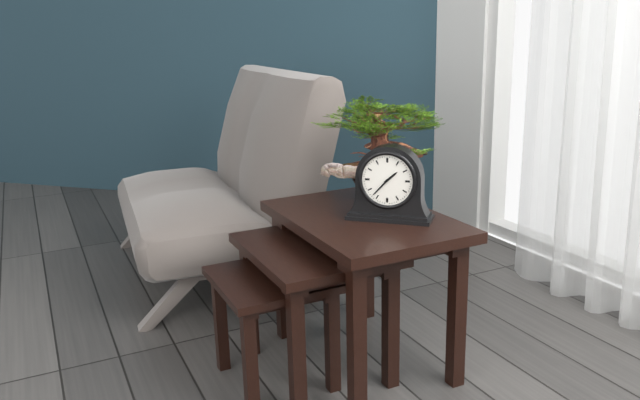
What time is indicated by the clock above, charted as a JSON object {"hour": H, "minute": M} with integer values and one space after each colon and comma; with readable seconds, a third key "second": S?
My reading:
{"hour": 1, "minute": 37}
